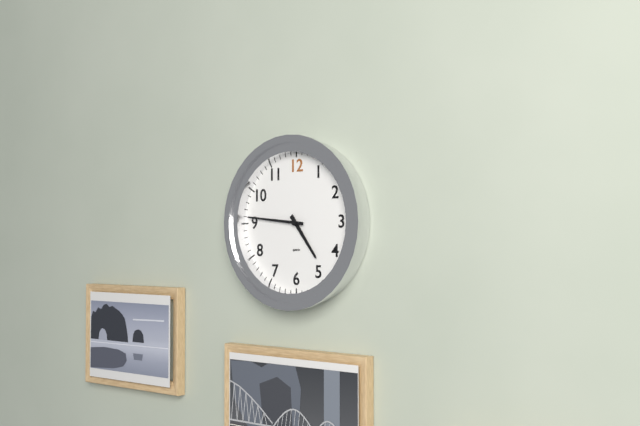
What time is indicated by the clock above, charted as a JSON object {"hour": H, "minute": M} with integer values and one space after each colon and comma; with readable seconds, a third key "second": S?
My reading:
{"hour": 4, "minute": 46}
